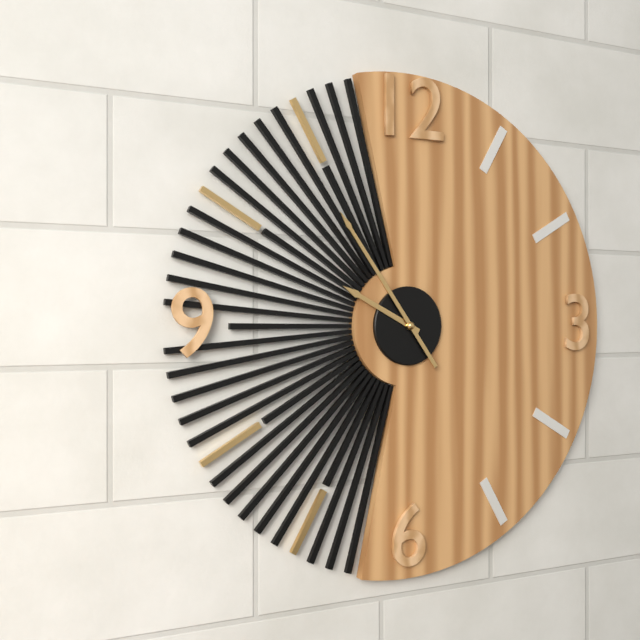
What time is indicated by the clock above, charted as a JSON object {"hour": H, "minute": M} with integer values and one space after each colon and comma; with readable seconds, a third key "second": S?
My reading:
{"hour": 9, "minute": 54}
